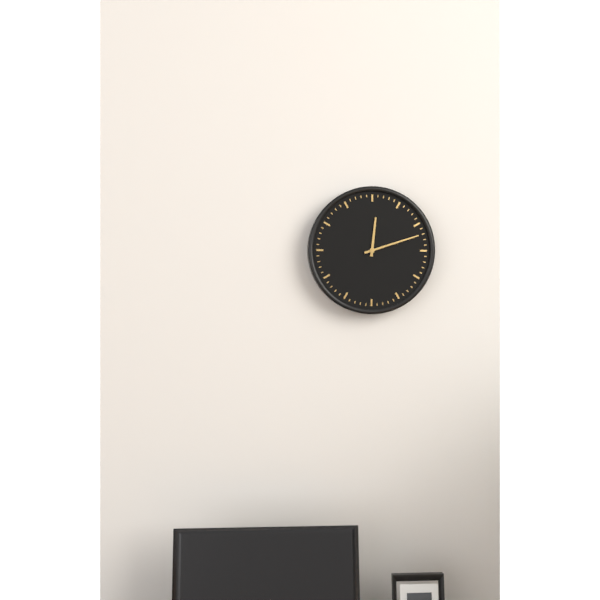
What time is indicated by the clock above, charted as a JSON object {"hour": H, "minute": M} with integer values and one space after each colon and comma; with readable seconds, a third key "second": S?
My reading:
{"hour": 12, "minute": 12}
